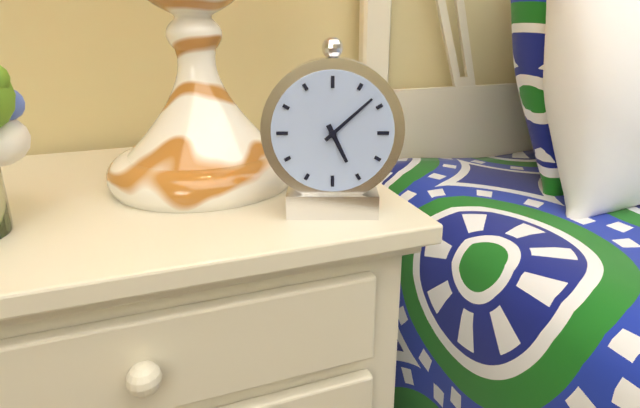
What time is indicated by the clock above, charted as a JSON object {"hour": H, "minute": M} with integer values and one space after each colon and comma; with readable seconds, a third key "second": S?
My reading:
{"hour": 5, "minute": 8}
